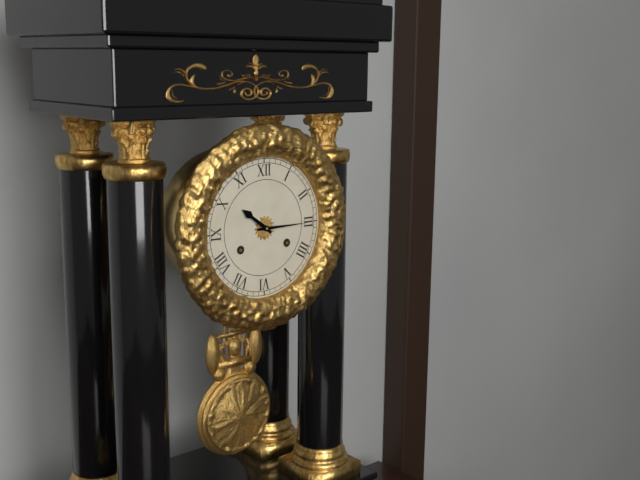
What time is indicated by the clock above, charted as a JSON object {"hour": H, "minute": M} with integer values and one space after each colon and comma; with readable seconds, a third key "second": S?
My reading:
{"hour": 10, "minute": 15}
